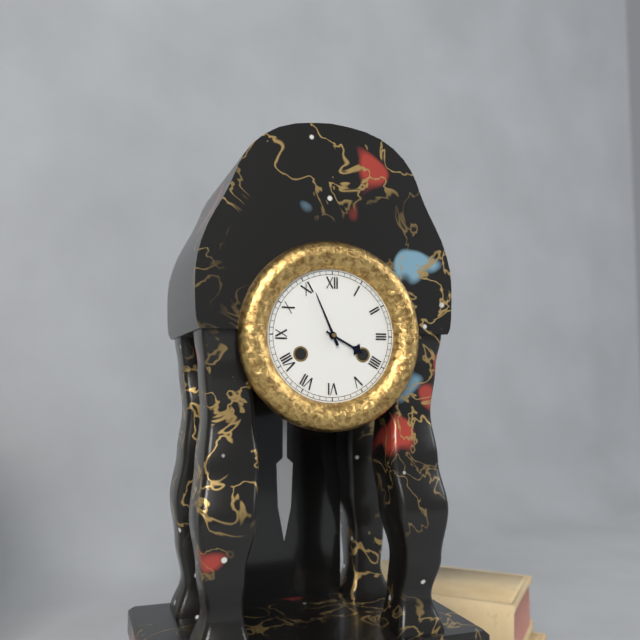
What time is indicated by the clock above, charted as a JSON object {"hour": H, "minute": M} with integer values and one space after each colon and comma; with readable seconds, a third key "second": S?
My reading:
{"hour": 3, "minute": 56}
